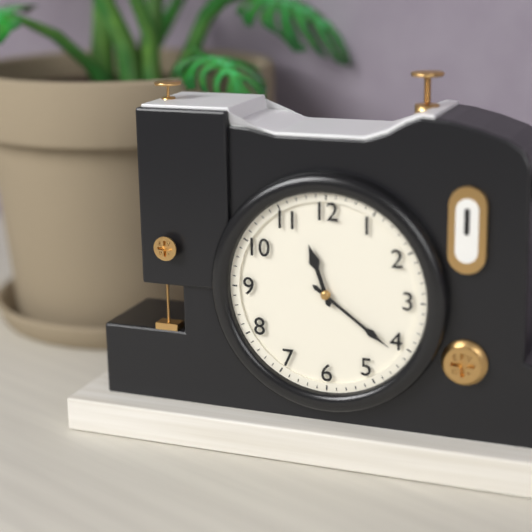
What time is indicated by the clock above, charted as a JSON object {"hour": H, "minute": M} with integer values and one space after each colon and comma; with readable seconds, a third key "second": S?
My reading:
{"hour": 11, "minute": 21}
